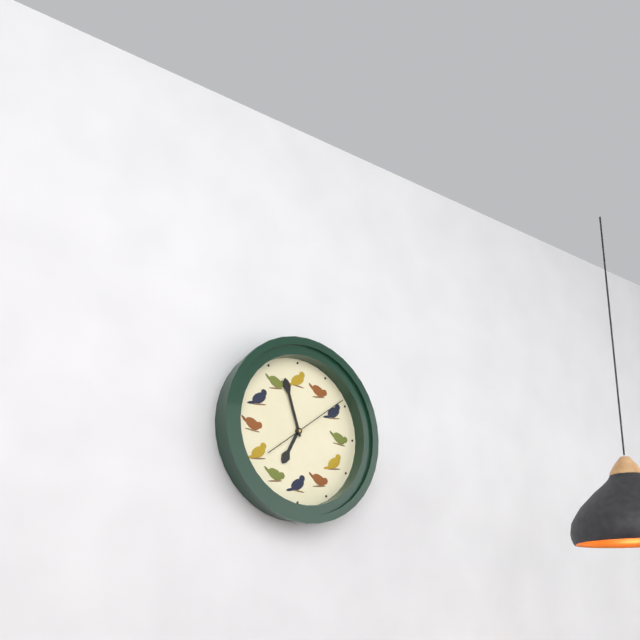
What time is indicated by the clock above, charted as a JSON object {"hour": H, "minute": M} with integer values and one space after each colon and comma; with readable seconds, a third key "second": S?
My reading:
{"hour": 6, "minute": 57, "second": 9}
